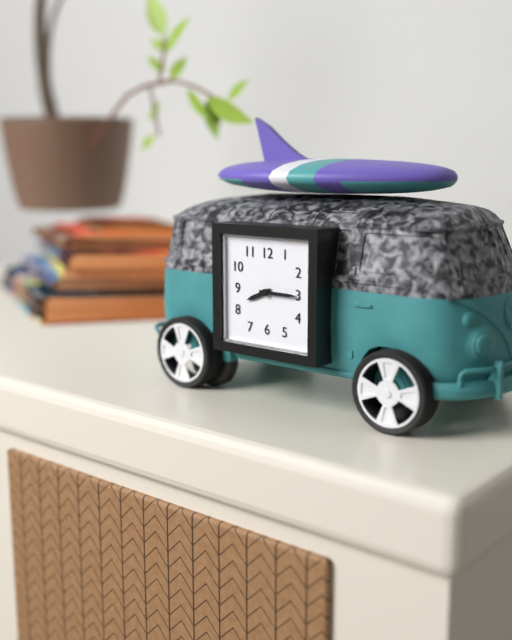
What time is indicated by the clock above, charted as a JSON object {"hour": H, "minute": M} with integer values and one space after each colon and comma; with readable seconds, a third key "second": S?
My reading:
{"hour": 8, "minute": 15}
